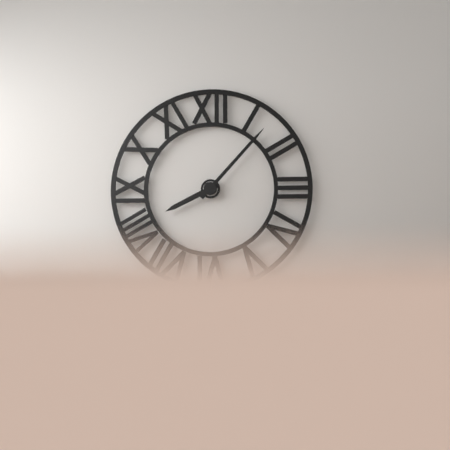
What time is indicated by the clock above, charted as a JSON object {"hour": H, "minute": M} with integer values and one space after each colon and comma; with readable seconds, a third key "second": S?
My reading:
{"hour": 8, "minute": 7}
